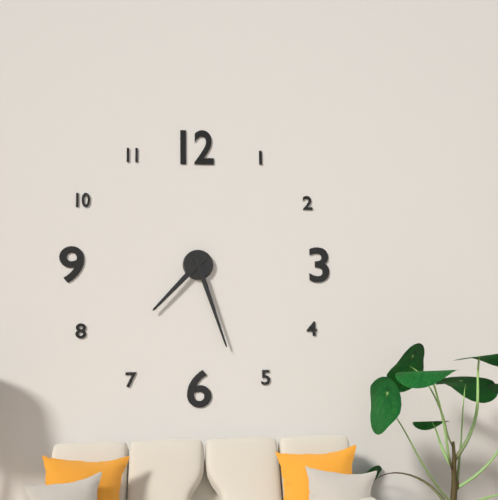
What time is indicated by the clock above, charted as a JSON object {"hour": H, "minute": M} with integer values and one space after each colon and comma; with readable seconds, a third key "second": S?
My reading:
{"hour": 7, "minute": 27}
